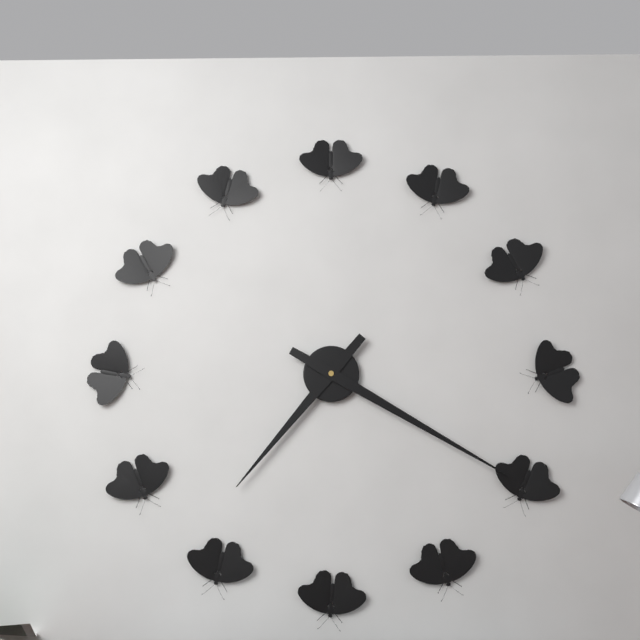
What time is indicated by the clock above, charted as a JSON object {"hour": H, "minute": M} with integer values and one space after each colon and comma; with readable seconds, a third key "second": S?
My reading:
{"hour": 7, "minute": 20}
